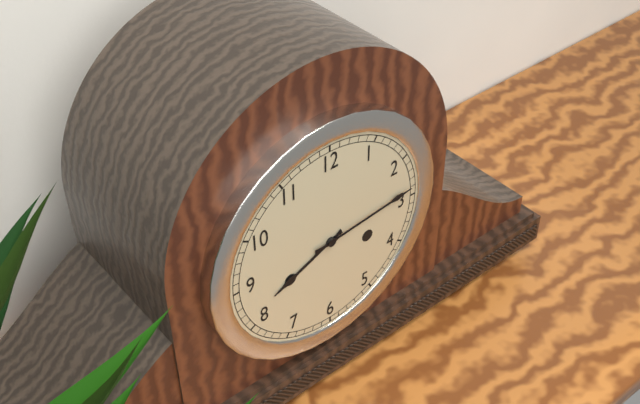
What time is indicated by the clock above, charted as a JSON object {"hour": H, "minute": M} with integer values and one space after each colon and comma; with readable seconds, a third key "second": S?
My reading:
{"hour": 8, "minute": 14}
